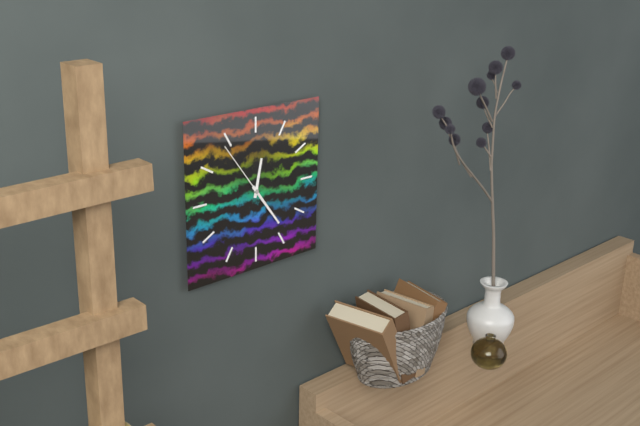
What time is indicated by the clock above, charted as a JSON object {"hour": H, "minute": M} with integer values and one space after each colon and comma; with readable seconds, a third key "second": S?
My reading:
{"hour": 12, "minute": 24, "second": 54}
